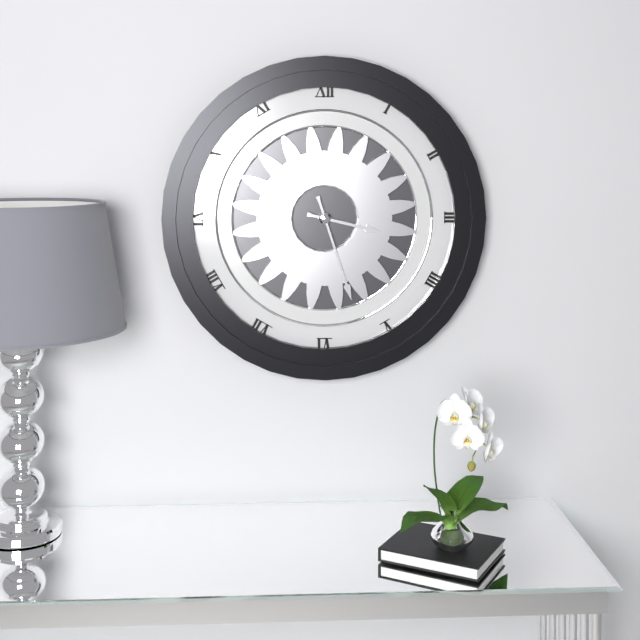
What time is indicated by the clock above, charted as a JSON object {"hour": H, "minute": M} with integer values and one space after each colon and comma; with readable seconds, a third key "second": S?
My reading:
{"hour": 3, "minute": 27}
